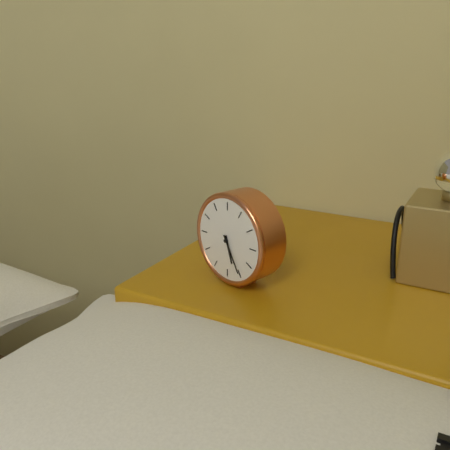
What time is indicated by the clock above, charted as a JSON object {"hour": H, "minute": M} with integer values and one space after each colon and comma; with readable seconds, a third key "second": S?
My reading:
{"hour": 5, "minute": 25}
